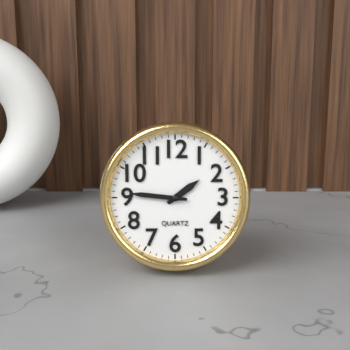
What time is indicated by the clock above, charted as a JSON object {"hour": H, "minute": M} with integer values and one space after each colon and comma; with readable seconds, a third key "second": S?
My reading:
{"hour": 1, "minute": 46}
